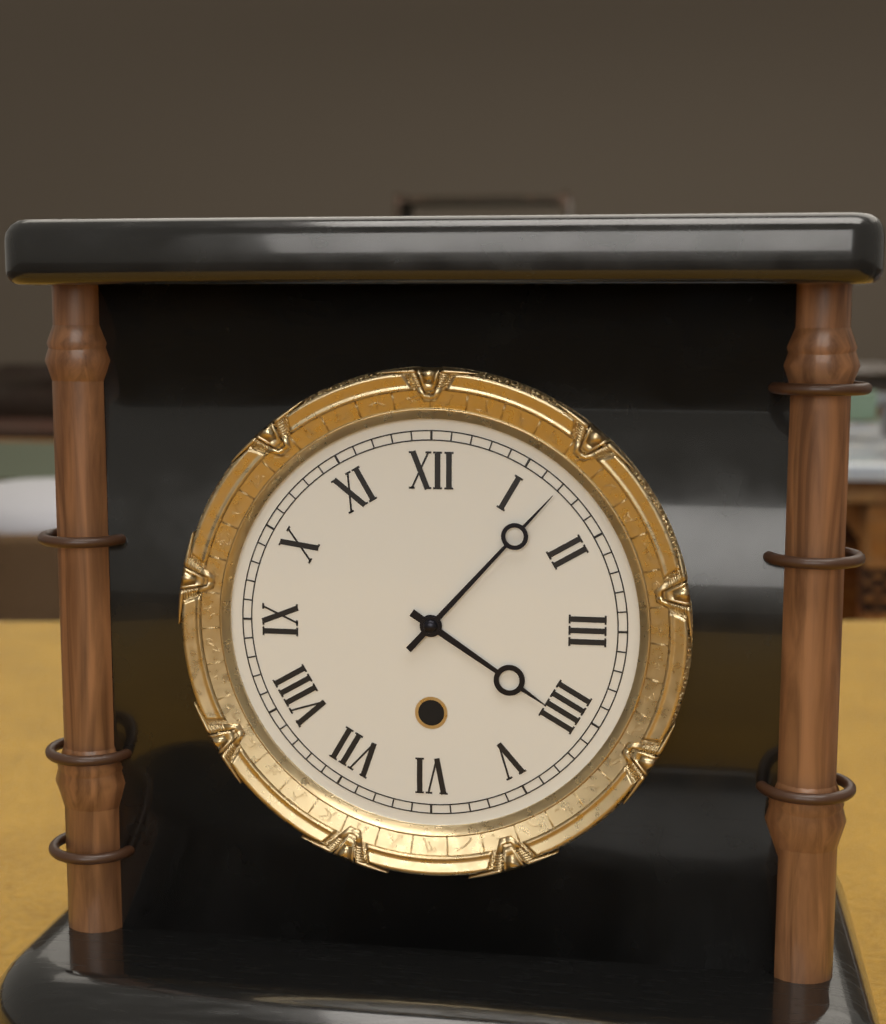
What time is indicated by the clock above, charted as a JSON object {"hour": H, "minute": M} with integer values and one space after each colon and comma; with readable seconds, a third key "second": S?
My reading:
{"hour": 4, "minute": 7}
